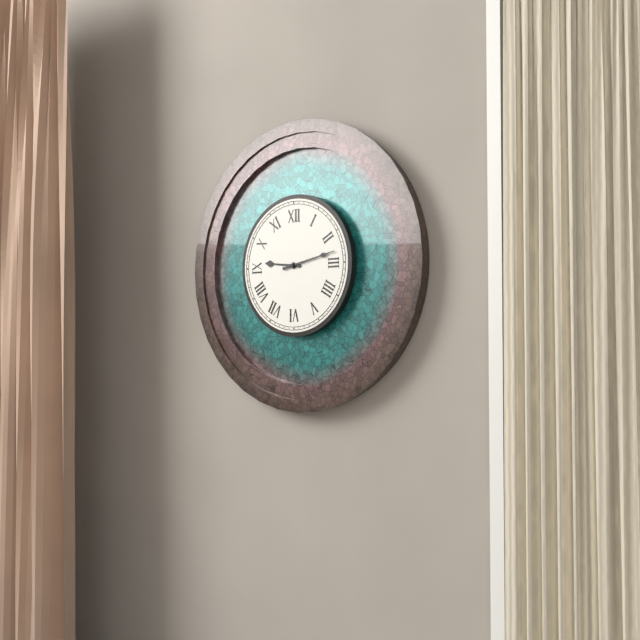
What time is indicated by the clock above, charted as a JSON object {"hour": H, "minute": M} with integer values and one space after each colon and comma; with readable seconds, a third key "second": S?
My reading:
{"hour": 9, "minute": 13}
